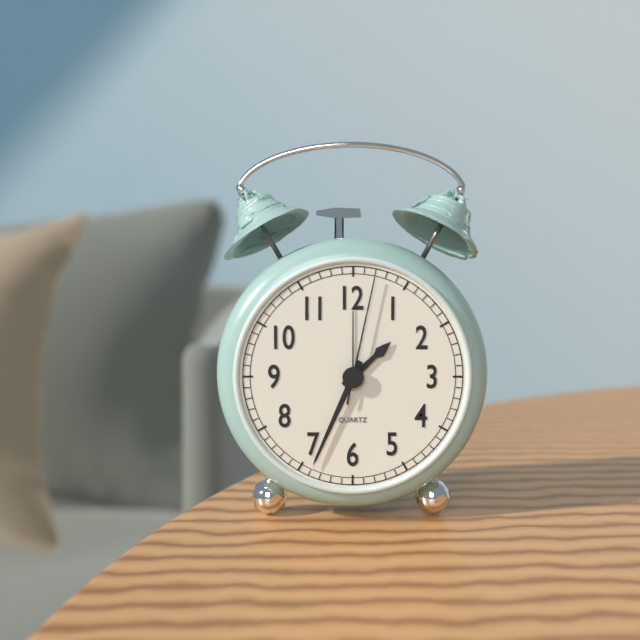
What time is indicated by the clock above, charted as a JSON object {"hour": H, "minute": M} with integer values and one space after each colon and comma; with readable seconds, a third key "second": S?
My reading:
{"hour": 1, "minute": 34, "second": 2}
